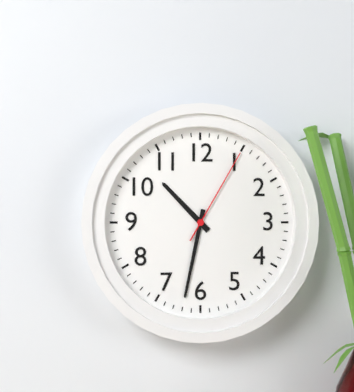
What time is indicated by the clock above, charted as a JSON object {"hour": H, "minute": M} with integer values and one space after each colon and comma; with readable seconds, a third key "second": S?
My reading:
{"hour": 10, "minute": 32, "second": 5}
